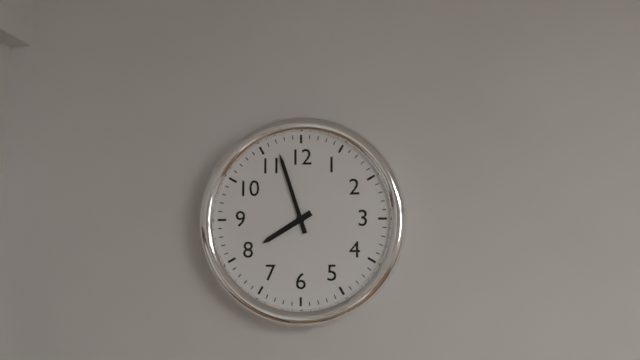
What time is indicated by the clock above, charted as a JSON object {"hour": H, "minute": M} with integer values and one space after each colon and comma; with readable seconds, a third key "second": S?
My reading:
{"hour": 7, "minute": 57}
